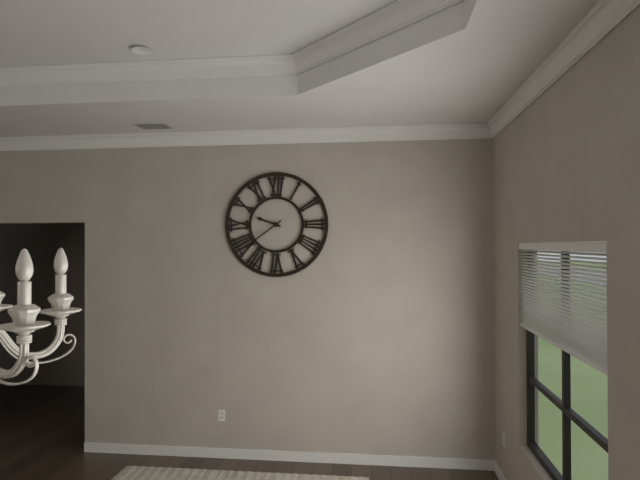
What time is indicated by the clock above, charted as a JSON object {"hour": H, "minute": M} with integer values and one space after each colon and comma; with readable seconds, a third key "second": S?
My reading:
{"hour": 9, "minute": 39}
